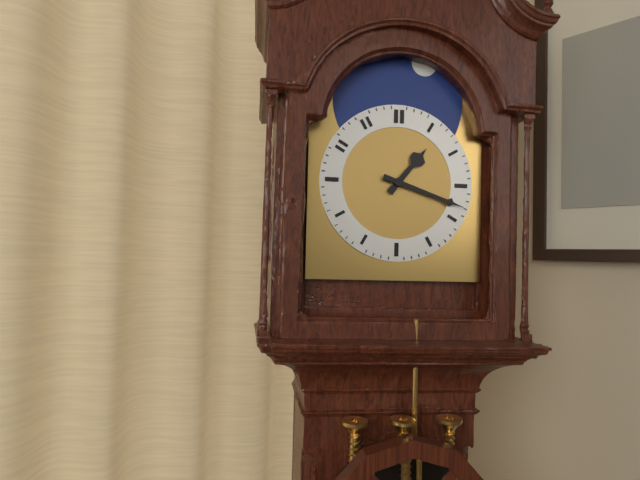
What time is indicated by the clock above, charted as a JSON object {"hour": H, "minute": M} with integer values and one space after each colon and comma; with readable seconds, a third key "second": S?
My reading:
{"hour": 1, "minute": 18}
